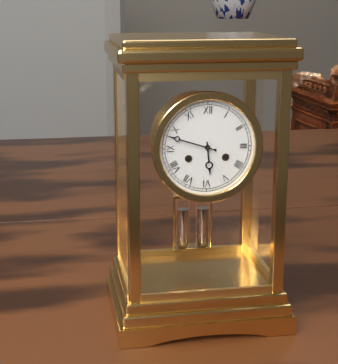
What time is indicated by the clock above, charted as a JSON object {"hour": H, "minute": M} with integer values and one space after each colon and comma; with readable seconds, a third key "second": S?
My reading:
{"hour": 5, "minute": 48}
